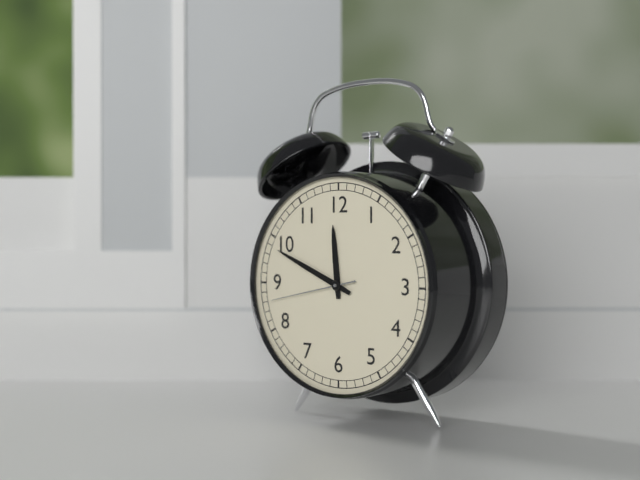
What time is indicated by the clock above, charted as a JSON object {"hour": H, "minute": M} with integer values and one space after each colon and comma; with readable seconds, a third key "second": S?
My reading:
{"hour": 11, "minute": 49, "second": 43}
